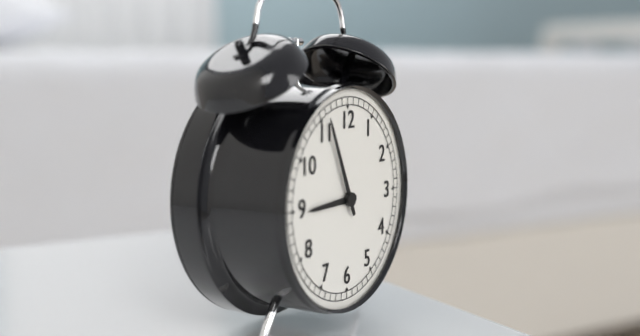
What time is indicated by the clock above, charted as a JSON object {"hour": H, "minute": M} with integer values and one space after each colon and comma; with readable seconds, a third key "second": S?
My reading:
{"hour": 8, "minute": 56}
